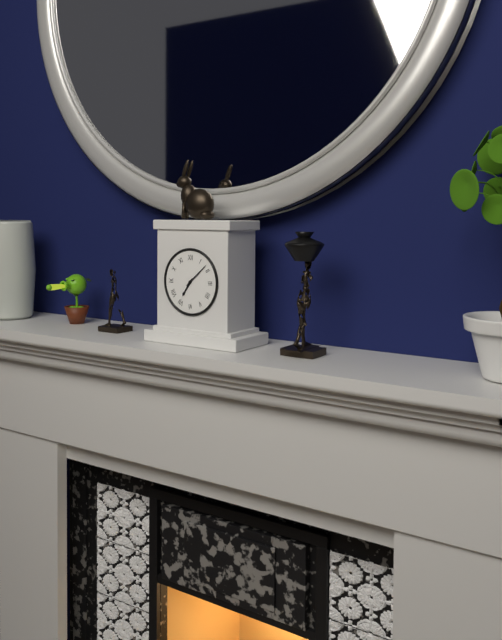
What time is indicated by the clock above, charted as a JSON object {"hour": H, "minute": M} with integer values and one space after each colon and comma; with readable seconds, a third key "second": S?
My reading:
{"hour": 7, "minute": 8}
